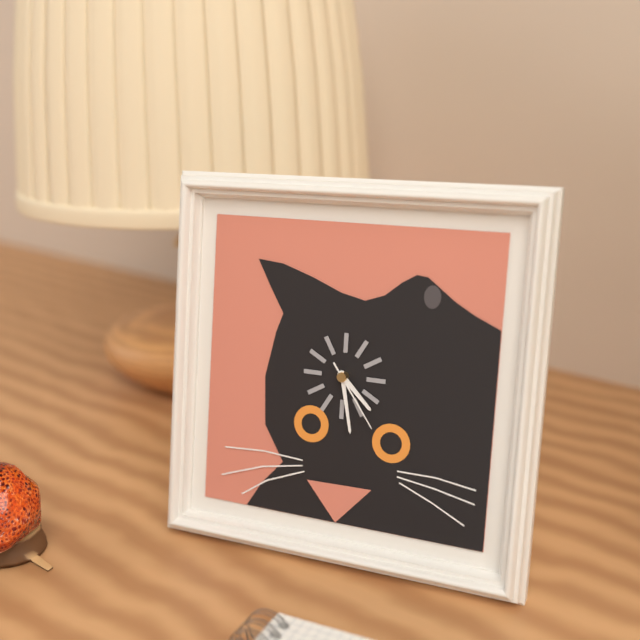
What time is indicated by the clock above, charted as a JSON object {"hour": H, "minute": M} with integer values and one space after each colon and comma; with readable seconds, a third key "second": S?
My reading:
{"hour": 4, "minute": 28, "second": 24}
